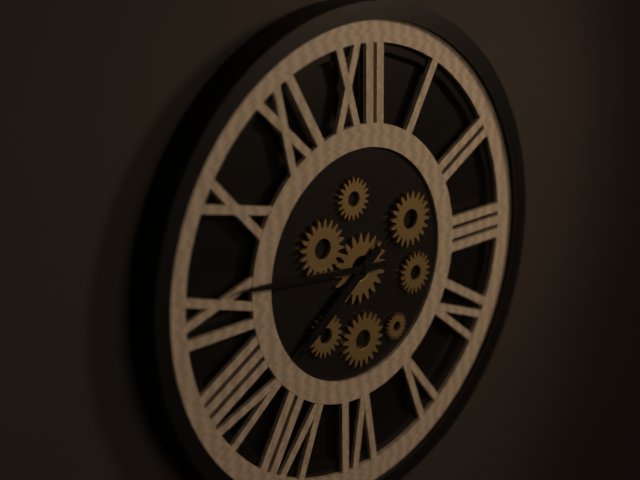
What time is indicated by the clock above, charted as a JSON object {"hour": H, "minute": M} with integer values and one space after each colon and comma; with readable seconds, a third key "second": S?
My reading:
{"hour": 7, "minute": 46}
